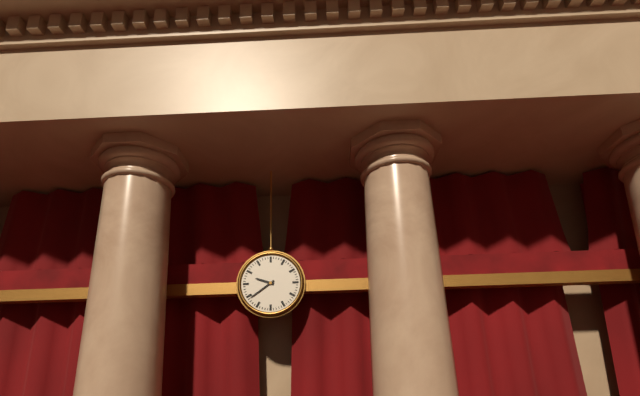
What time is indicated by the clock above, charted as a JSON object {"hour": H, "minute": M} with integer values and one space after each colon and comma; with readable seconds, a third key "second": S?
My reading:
{"hour": 9, "minute": 39}
